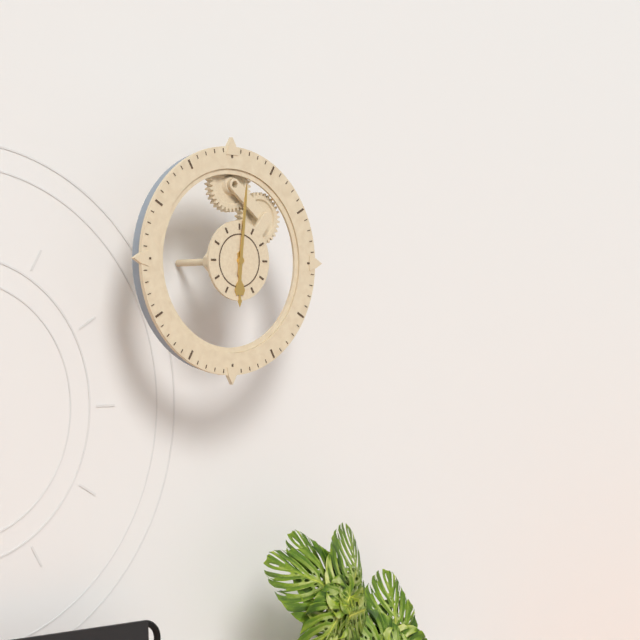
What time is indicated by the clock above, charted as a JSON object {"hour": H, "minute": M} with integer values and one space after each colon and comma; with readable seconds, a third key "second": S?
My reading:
{"hour": 6, "minute": 1}
